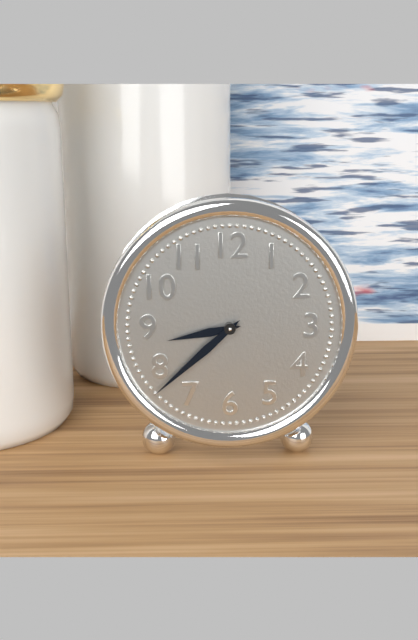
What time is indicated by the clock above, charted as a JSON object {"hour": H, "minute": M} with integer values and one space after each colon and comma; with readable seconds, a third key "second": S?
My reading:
{"hour": 8, "minute": 38}
